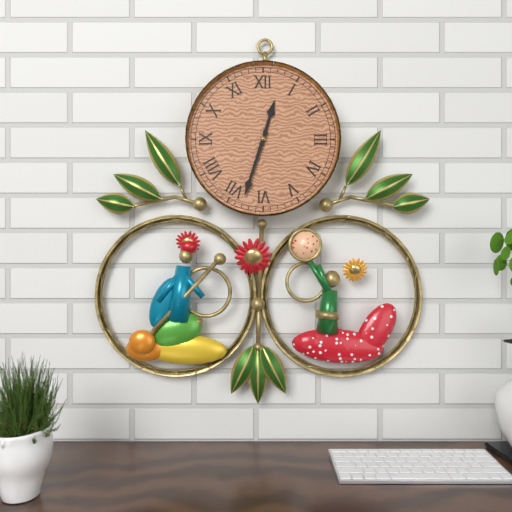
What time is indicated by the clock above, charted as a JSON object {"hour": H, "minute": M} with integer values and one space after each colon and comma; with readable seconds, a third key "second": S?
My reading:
{"hour": 12, "minute": 33}
